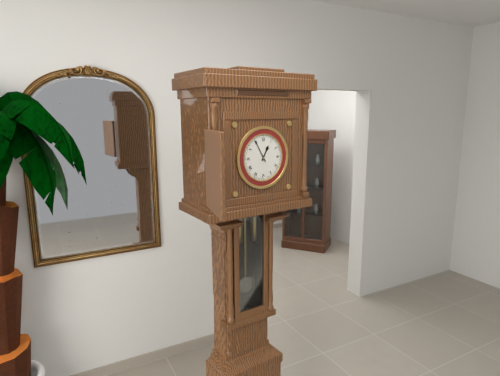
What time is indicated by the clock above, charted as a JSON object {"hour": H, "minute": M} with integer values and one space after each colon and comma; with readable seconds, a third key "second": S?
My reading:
{"hour": 12, "minute": 55}
